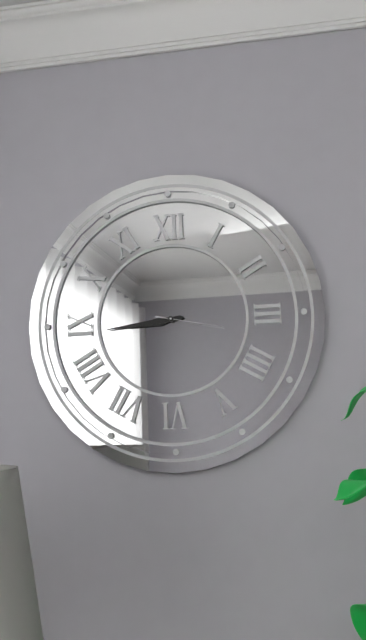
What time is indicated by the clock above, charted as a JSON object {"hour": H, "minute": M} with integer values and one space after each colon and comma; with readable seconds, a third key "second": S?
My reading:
{"hour": 8, "minute": 44, "second": 17}
